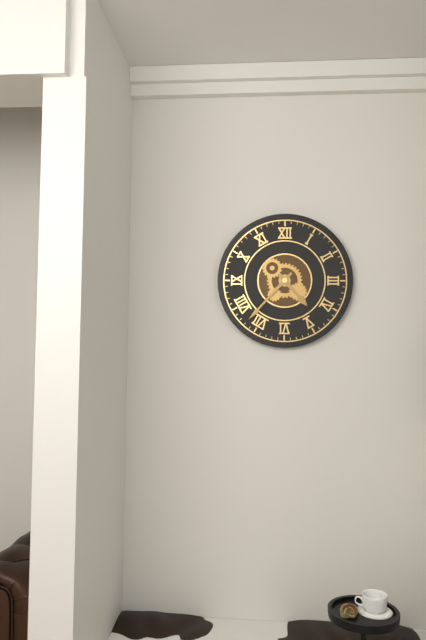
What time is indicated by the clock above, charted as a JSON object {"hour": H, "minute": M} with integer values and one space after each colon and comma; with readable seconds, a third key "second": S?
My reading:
{"hour": 4, "minute": 37}
